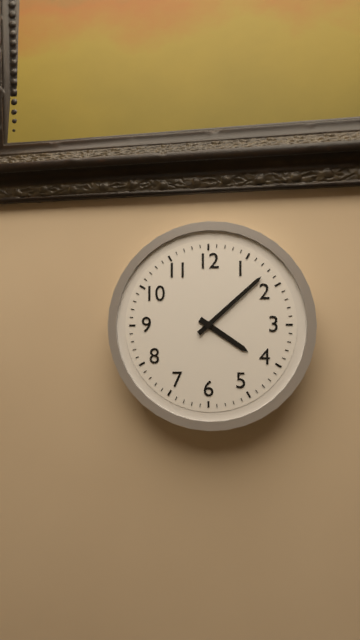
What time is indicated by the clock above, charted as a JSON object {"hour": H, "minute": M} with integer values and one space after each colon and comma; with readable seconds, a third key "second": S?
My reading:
{"hour": 4, "minute": 8}
